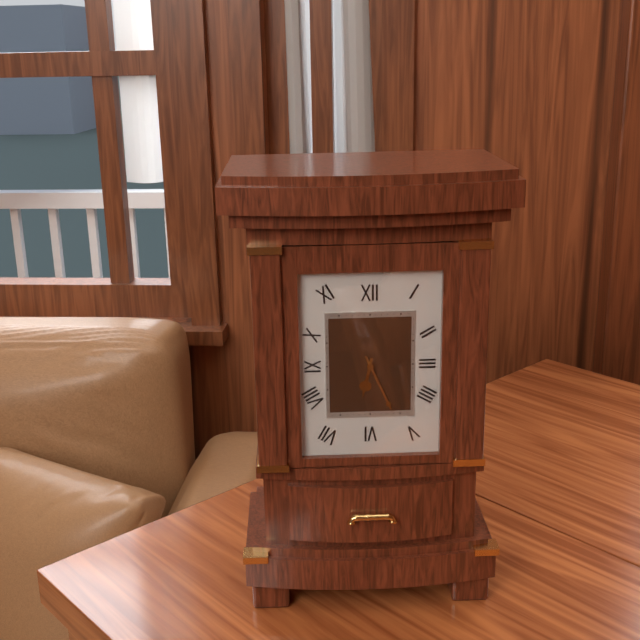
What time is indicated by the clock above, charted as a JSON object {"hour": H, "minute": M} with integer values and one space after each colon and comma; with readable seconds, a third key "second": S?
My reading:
{"hour": 6, "minute": 26}
